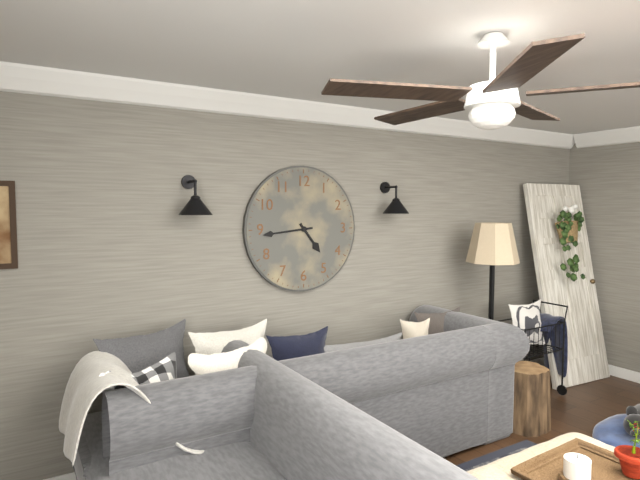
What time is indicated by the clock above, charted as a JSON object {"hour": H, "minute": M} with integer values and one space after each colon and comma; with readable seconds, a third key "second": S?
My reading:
{"hour": 4, "minute": 44}
